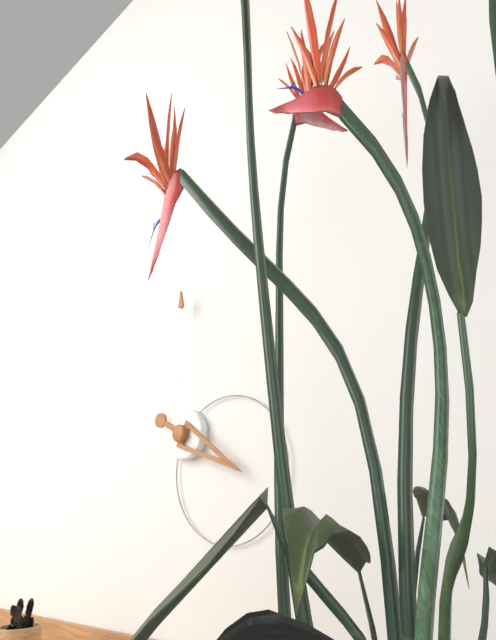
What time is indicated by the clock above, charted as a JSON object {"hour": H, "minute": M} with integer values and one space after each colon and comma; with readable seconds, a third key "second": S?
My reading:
{"hour": 4, "minute": 0}
